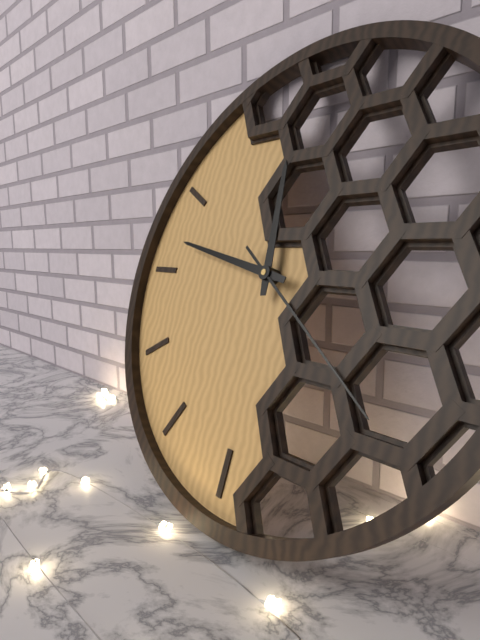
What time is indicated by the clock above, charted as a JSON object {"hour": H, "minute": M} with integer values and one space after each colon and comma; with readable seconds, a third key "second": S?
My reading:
{"hour": 11, "minute": 47, "second": 21}
